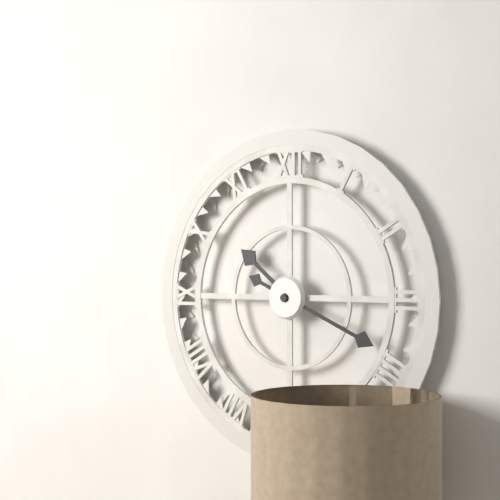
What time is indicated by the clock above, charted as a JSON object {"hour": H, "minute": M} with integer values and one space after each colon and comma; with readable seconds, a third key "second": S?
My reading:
{"hour": 10, "minute": 19}
